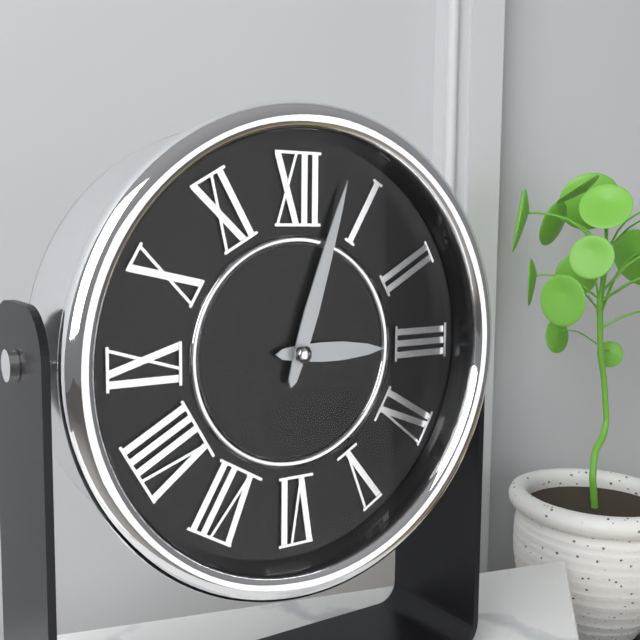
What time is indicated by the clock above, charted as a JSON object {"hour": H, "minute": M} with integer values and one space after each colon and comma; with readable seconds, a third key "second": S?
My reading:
{"hour": 3, "minute": 3}
